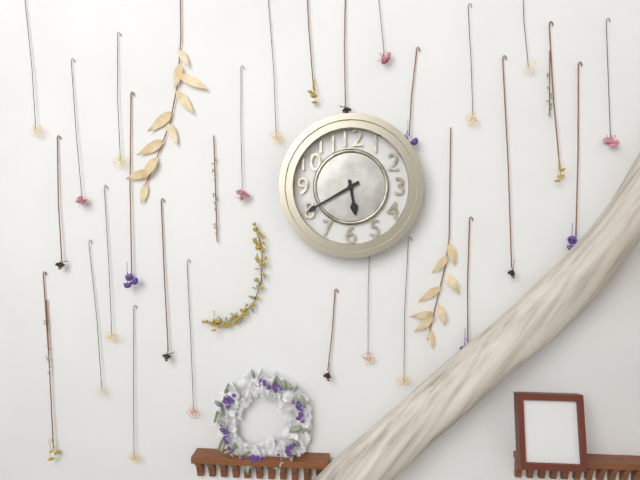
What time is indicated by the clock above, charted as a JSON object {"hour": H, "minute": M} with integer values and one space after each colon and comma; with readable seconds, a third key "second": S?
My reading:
{"hour": 5, "minute": 40}
